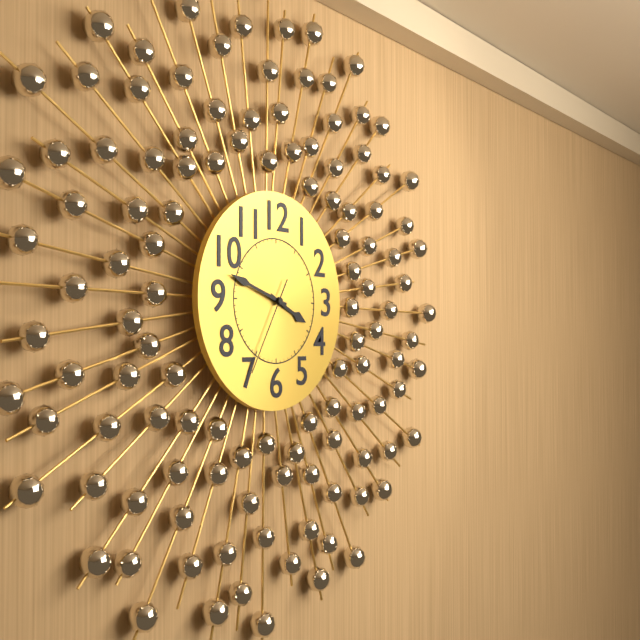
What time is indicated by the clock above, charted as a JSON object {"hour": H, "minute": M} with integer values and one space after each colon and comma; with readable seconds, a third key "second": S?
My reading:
{"hour": 3, "minute": 48, "second": 35}
